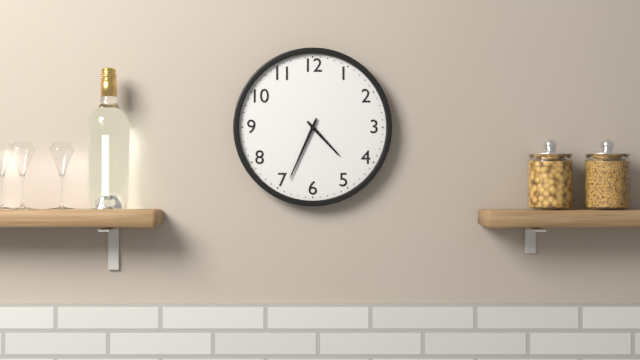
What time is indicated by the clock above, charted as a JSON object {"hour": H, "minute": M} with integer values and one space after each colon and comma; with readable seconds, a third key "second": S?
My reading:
{"hour": 4, "minute": 34}
